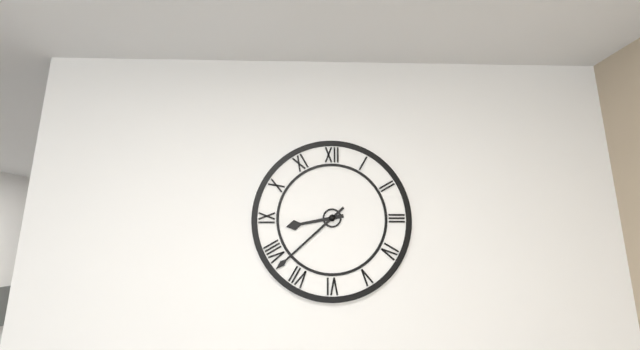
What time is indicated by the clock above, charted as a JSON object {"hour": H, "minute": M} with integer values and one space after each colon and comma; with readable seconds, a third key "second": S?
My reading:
{"hour": 8, "minute": 38}
